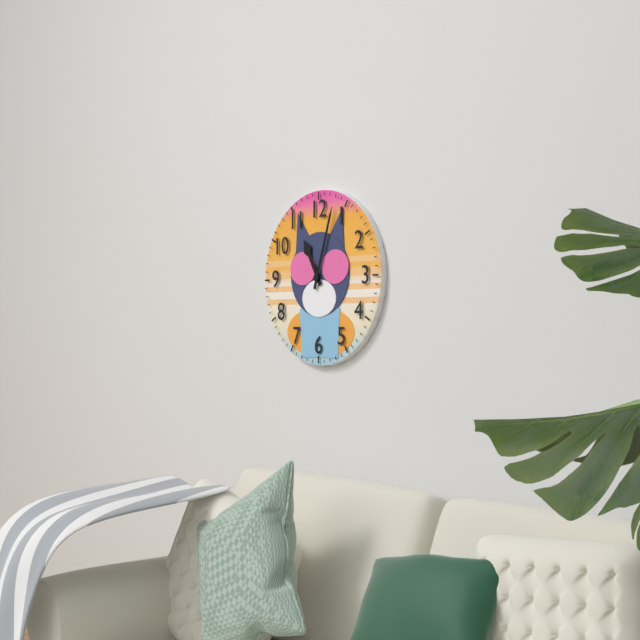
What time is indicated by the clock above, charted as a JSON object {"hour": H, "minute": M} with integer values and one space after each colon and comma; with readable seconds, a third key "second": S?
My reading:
{"hour": 11, "minute": 3}
